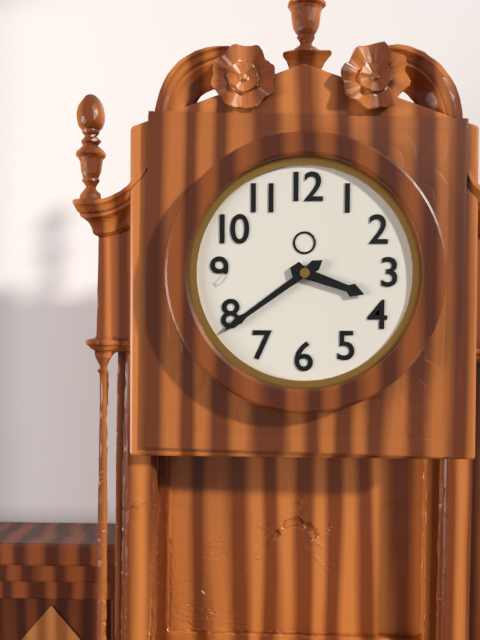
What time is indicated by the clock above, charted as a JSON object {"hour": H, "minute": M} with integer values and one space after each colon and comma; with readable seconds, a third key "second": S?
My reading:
{"hour": 3, "minute": 39}
